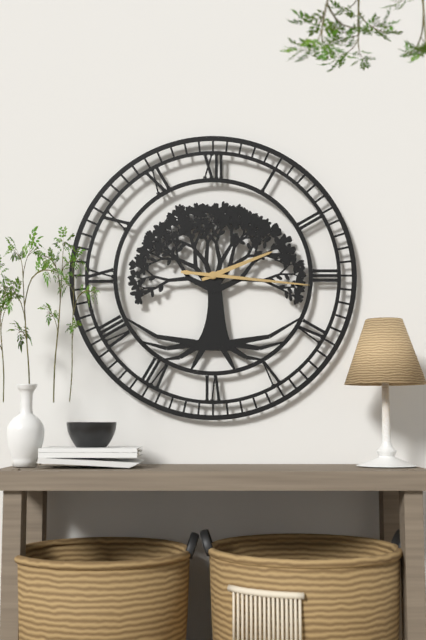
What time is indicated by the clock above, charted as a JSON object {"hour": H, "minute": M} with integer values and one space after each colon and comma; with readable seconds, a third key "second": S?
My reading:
{"hour": 2, "minute": 16}
